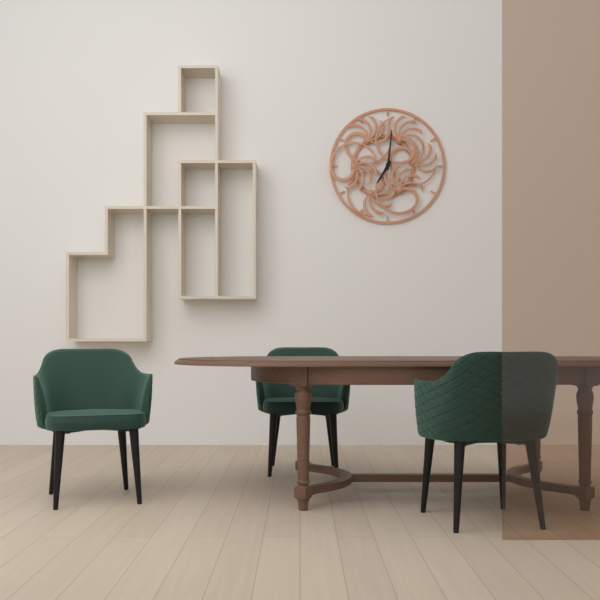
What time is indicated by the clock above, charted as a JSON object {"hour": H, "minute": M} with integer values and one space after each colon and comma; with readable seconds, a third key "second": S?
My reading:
{"hour": 7, "minute": 1}
